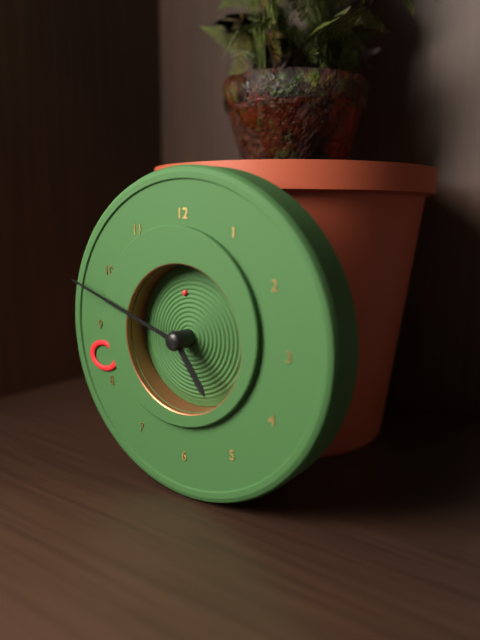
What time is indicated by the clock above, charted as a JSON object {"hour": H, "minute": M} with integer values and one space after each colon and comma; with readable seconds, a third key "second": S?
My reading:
{"hour": 4, "minute": 48, "second": 58}
